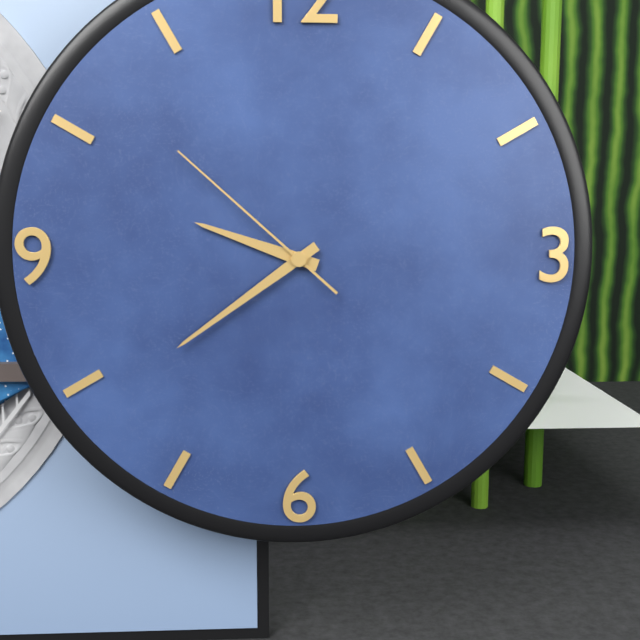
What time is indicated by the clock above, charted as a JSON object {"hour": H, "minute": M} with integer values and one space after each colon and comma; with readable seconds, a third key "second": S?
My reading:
{"hour": 9, "minute": 39, "second": 52}
